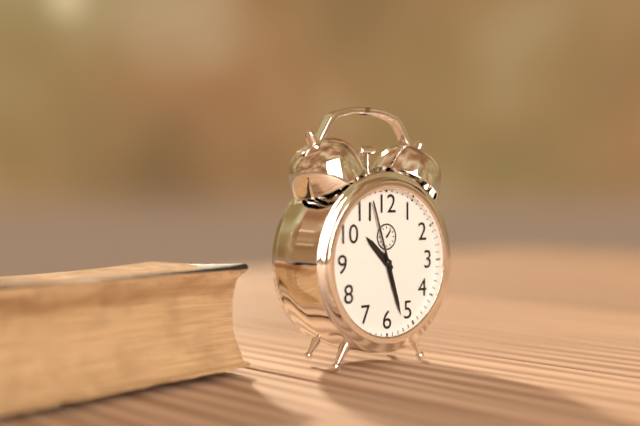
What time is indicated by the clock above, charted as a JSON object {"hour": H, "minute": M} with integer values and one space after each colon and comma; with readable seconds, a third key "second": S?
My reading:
{"hour": 10, "minute": 27, "second": 57}
